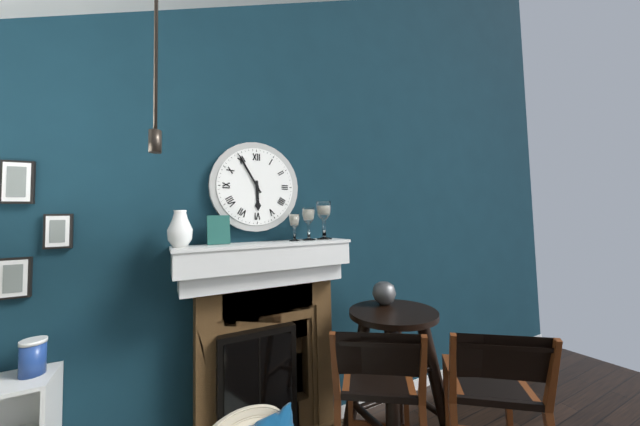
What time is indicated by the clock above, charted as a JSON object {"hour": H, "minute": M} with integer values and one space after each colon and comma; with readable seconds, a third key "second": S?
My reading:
{"hour": 5, "minute": 55}
